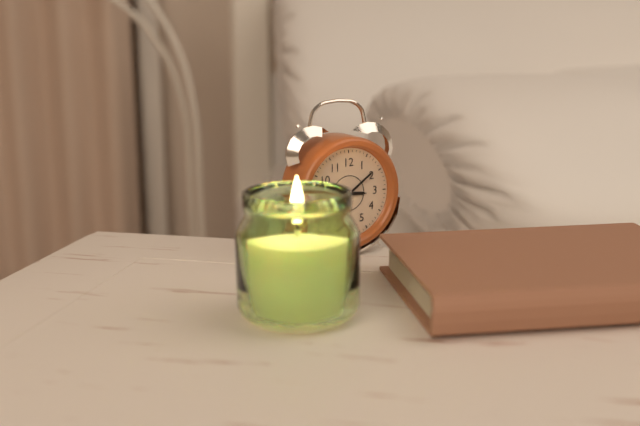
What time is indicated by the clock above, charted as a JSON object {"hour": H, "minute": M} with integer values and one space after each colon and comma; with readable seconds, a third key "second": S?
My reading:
{"hour": 3, "minute": 9}
